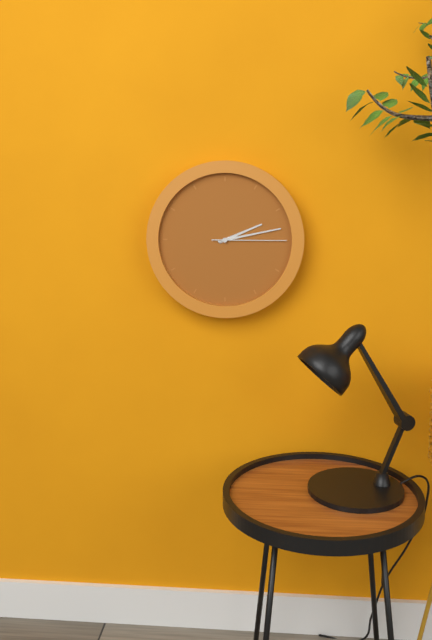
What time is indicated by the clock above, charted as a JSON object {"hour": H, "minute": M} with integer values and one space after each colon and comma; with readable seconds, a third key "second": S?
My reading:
{"hour": 2, "minute": 13, "second": 15}
